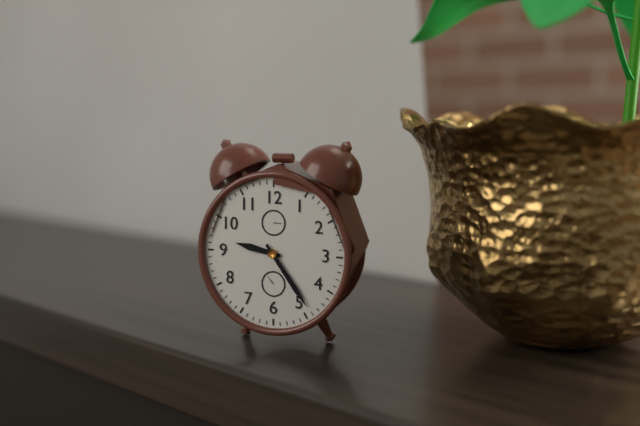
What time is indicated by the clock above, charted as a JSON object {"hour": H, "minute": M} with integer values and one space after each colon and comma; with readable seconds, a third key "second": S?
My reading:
{"hour": 9, "minute": 24}
